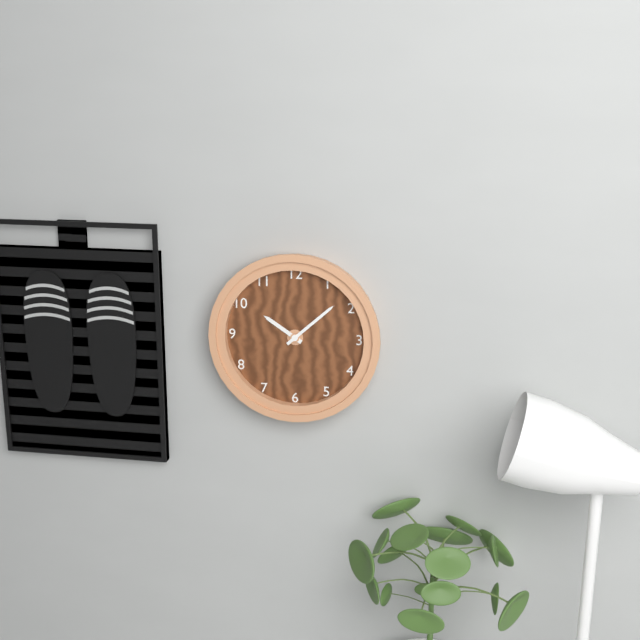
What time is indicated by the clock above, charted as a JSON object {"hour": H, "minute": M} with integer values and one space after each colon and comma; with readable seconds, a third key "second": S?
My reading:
{"hour": 10, "minute": 8}
